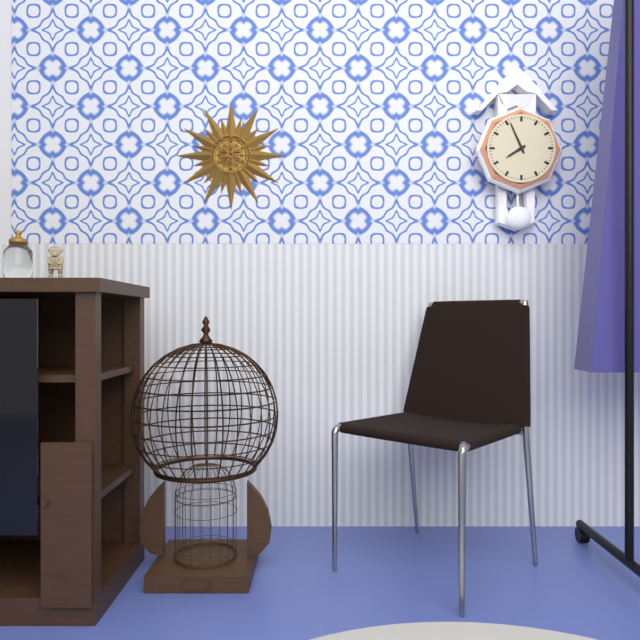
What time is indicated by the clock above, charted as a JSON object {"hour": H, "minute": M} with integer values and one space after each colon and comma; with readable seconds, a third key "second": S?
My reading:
{"hour": 7, "minute": 56}
